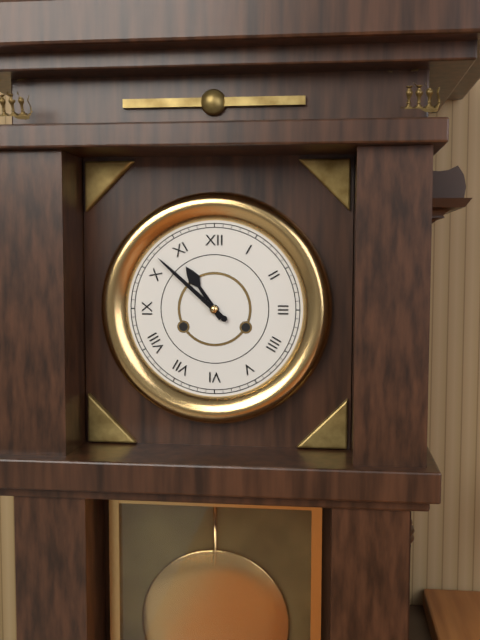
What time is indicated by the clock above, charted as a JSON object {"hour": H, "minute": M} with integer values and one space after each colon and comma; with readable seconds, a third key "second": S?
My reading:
{"hour": 10, "minute": 52}
